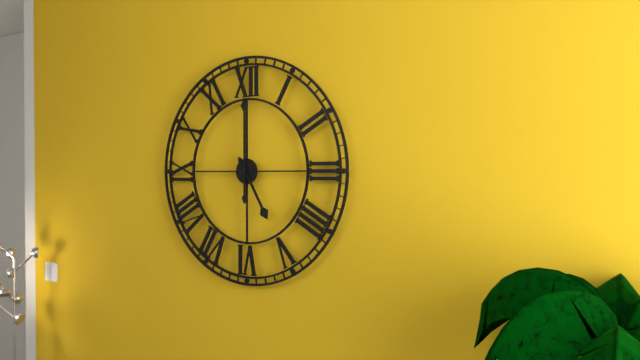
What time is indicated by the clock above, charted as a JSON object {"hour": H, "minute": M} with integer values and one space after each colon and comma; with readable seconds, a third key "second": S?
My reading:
{"hour": 5, "minute": 0}
